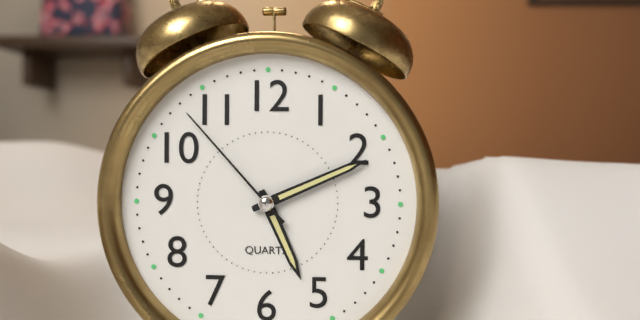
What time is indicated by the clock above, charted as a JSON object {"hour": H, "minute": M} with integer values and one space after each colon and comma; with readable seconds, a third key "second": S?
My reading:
{"hour": 5, "minute": 11, "second": 53}
